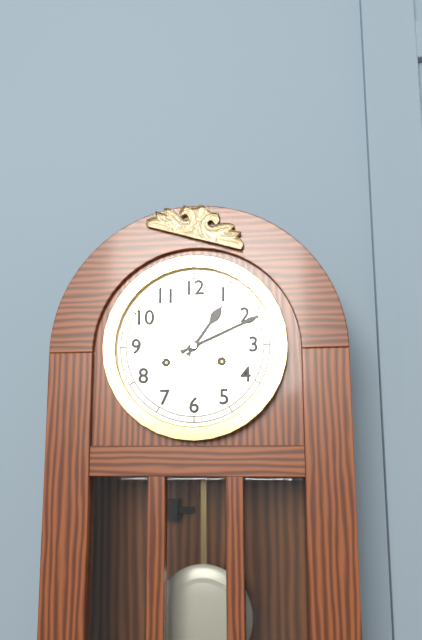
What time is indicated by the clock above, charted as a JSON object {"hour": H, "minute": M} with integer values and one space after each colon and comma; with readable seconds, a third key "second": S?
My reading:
{"hour": 1, "minute": 11}
